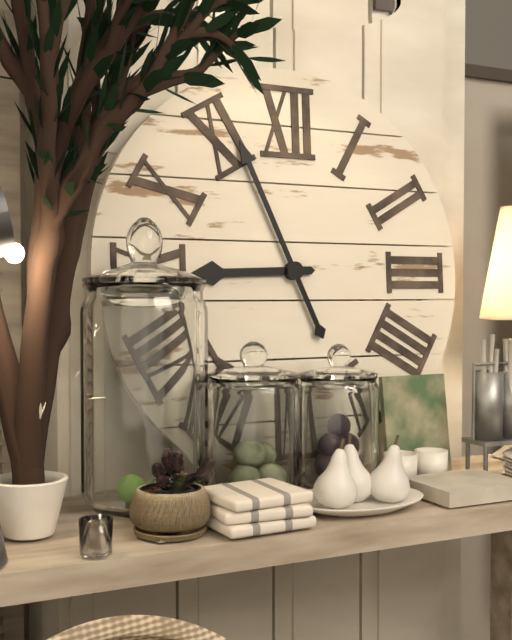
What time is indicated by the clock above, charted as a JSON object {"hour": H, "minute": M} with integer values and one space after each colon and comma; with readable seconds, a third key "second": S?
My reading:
{"hour": 8, "minute": 56}
